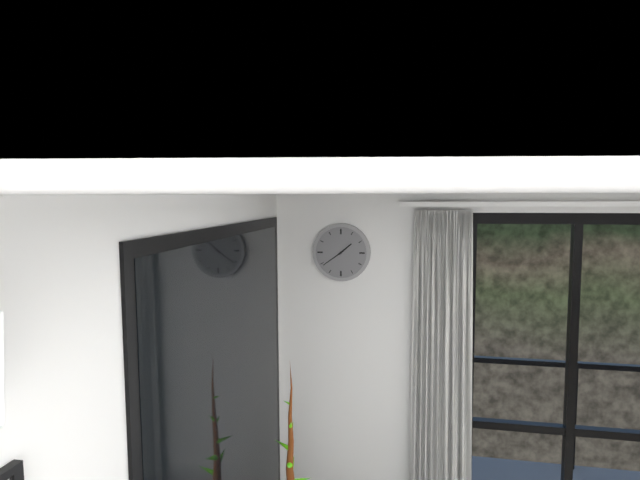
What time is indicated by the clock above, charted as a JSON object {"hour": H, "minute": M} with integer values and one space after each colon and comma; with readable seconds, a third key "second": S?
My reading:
{"hour": 1, "minute": 39}
